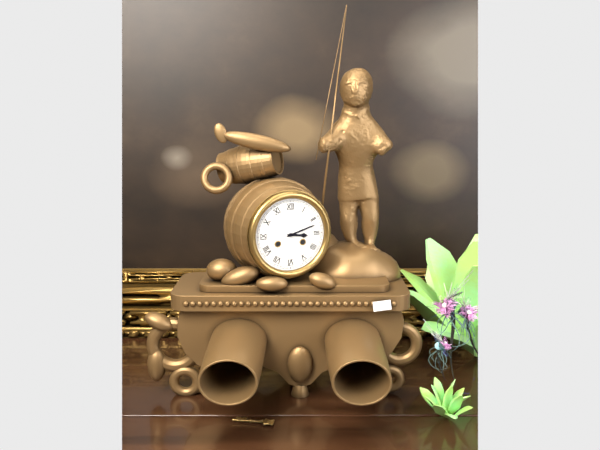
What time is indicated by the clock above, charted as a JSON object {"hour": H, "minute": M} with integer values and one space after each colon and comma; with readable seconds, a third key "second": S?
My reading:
{"hour": 3, "minute": 12}
